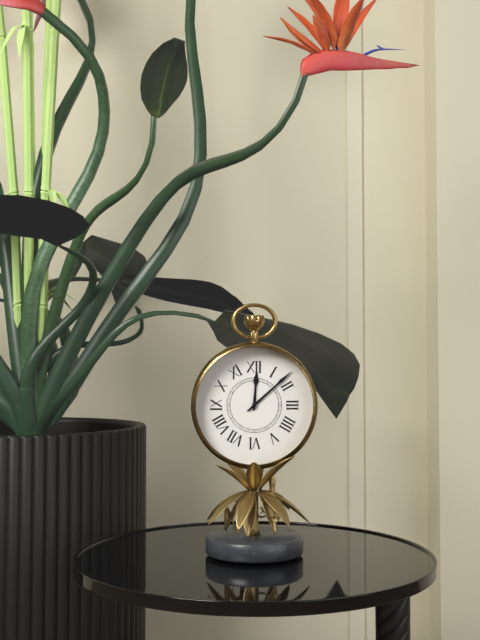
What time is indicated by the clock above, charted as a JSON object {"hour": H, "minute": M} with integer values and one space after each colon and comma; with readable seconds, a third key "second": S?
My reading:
{"hour": 12, "minute": 8}
